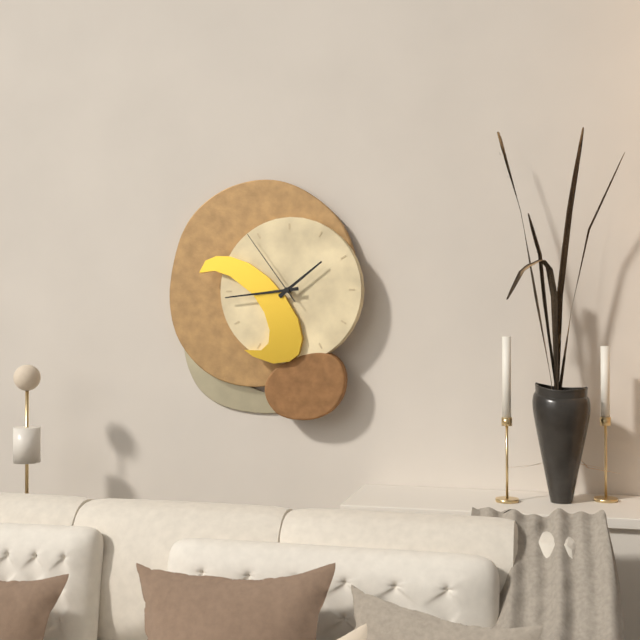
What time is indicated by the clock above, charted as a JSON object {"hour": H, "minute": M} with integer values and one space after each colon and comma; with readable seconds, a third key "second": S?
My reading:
{"hour": 1, "minute": 44, "second": 54}
